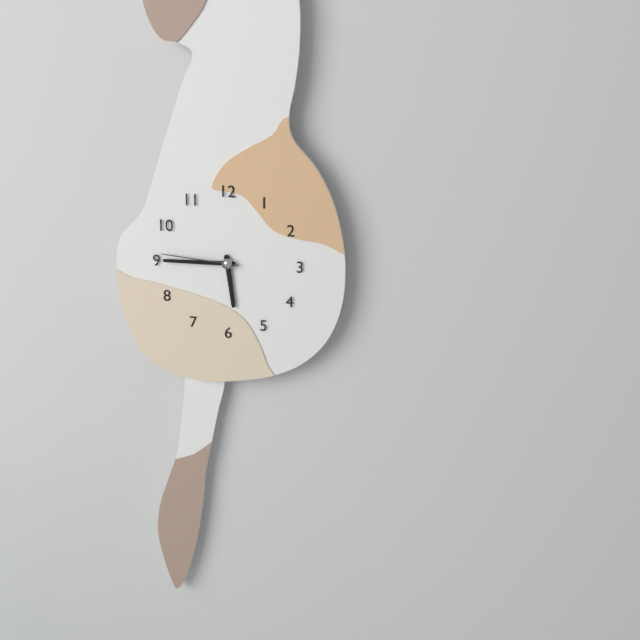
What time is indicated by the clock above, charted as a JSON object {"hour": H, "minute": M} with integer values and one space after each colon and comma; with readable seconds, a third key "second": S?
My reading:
{"hour": 5, "minute": 45, "second": 46}
